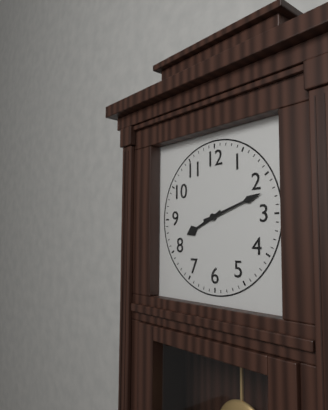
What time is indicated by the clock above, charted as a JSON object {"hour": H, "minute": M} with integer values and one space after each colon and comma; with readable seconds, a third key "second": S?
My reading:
{"hour": 8, "minute": 12}
